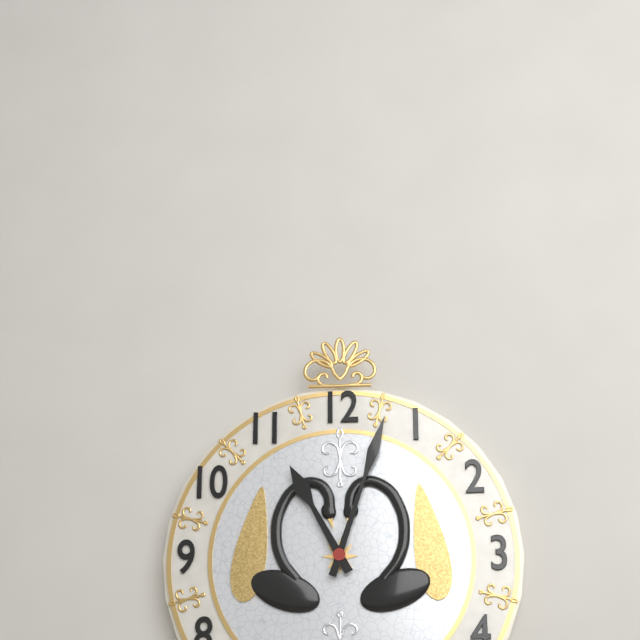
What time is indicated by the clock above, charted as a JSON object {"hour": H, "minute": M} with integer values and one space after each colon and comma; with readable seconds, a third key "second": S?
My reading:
{"hour": 11, "minute": 3}
